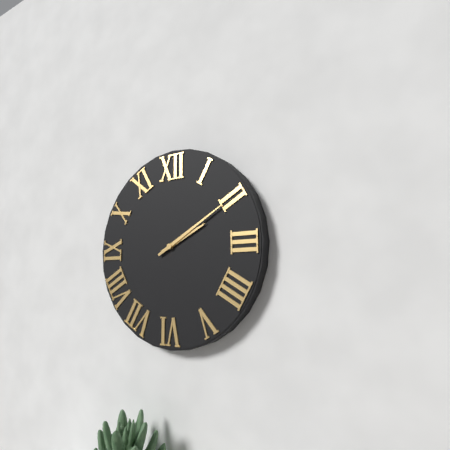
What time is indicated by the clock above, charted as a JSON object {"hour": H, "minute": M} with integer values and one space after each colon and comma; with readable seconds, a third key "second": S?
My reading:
{"hour": 2, "minute": 10}
